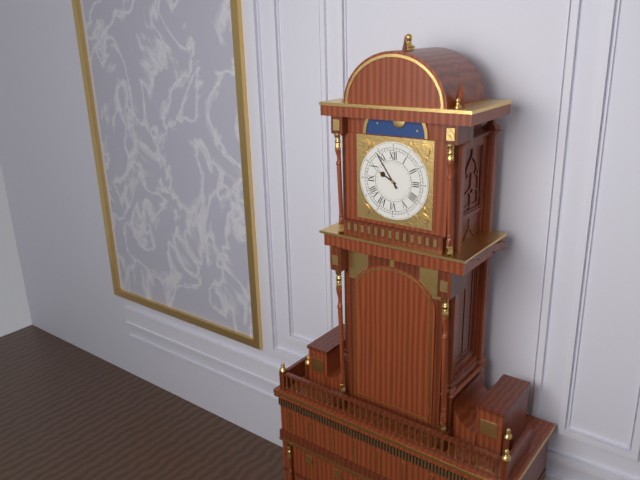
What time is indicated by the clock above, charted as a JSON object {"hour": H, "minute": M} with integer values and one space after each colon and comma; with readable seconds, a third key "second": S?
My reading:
{"hour": 9, "minute": 54}
